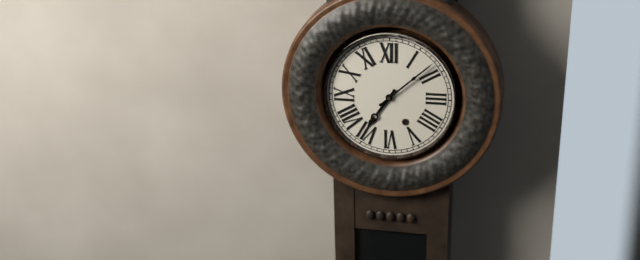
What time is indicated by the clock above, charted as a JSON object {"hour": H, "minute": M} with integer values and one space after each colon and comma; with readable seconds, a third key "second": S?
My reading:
{"hour": 7, "minute": 8}
